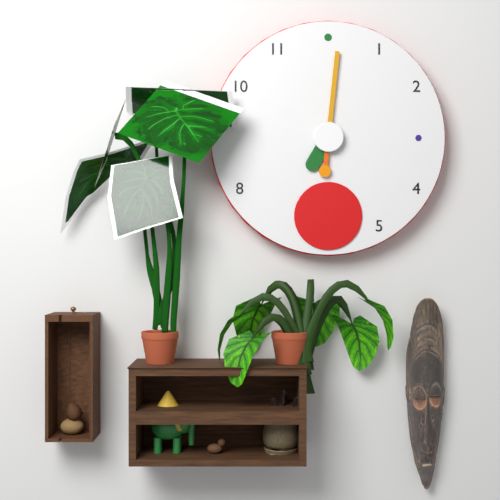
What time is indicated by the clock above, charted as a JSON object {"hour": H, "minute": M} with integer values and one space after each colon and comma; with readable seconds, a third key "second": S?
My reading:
{"hour": 7, "minute": 1}
